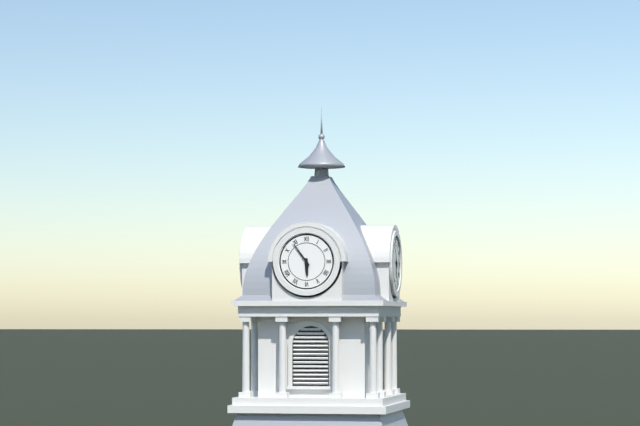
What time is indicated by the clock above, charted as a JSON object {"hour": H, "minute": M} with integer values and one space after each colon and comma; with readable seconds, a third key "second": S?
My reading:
{"hour": 5, "minute": 54}
